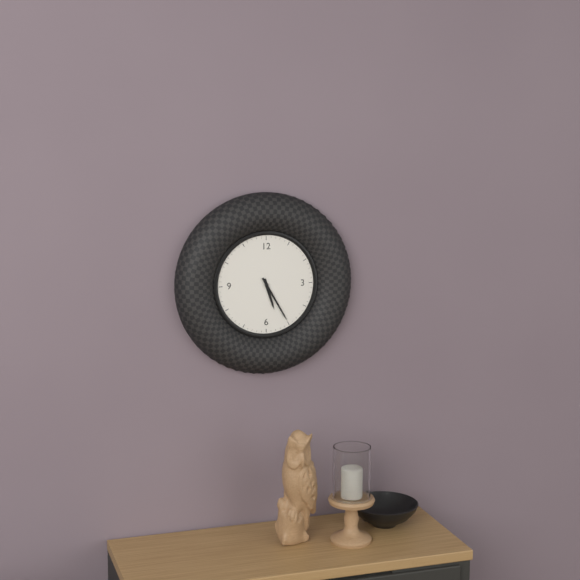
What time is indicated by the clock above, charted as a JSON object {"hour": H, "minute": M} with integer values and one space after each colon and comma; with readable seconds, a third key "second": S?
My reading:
{"hour": 5, "minute": 25}
